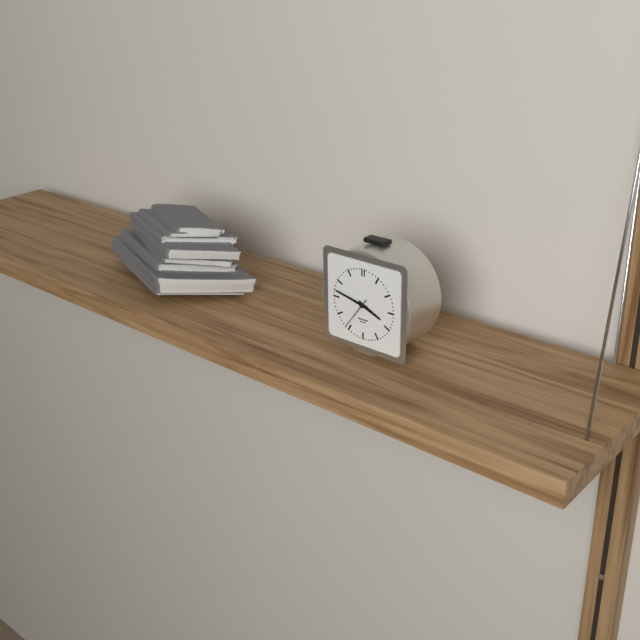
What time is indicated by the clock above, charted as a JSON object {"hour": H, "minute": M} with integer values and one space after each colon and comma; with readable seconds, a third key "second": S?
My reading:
{"hour": 3, "minute": 47}
